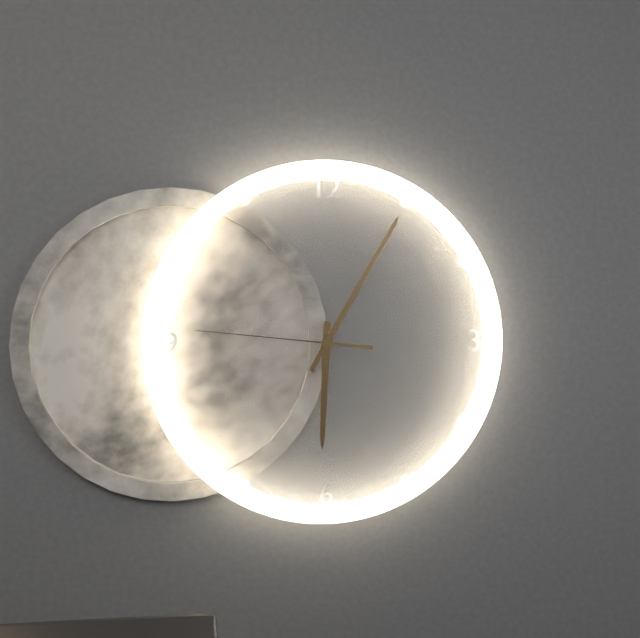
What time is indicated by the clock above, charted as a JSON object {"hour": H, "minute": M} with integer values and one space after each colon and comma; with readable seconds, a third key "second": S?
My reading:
{"hour": 6, "minute": 5, "second": 46}
